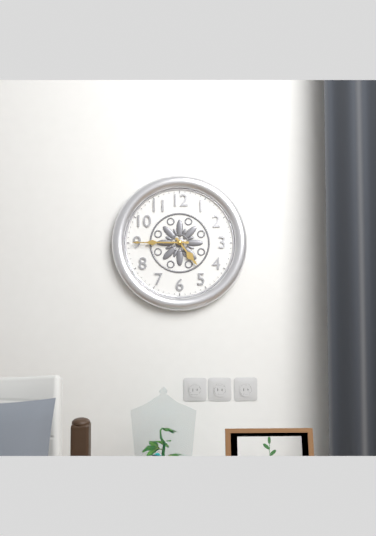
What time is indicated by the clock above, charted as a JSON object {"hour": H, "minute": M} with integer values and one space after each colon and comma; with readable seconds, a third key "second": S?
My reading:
{"hour": 4, "minute": 45}
